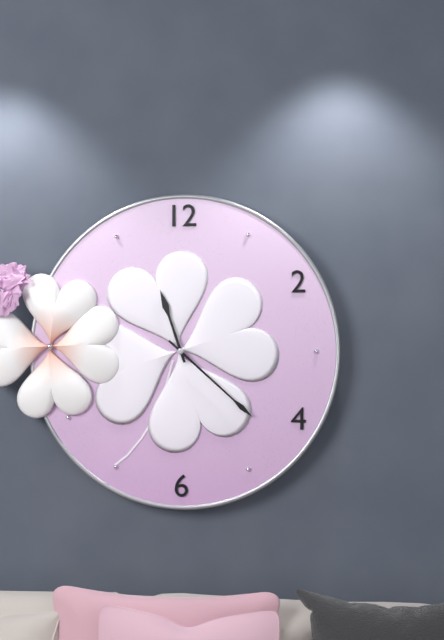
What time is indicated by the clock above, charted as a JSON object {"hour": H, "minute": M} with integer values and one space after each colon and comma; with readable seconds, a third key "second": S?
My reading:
{"hour": 11, "minute": 22}
